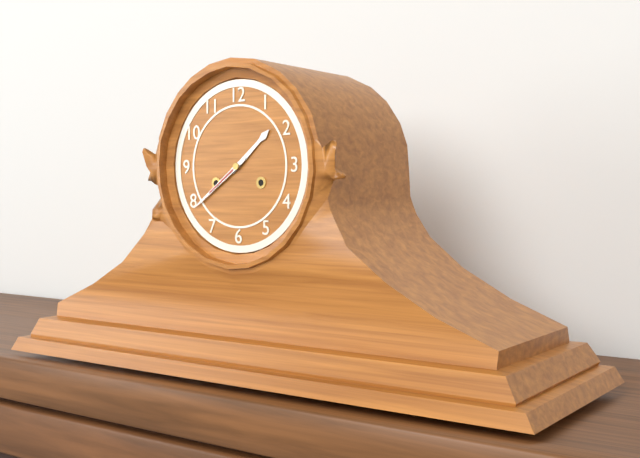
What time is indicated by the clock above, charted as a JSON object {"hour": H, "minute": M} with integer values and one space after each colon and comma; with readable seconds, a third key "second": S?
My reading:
{"hour": 1, "minute": 39}
